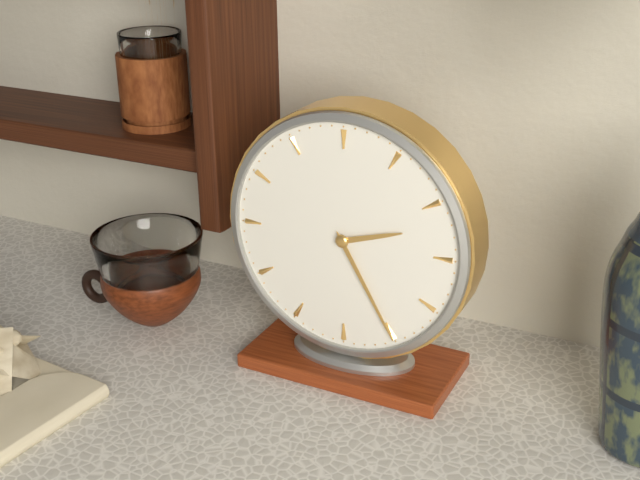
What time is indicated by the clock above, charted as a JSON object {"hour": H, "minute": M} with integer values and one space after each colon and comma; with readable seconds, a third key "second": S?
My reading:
{"hour": 2, "minute": 25}
